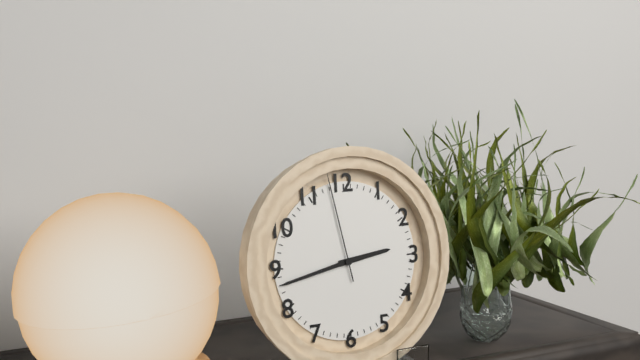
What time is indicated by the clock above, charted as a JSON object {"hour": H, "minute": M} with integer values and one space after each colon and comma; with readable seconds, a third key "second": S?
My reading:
{"hour": 2, "minute": 43, "second": 58}
